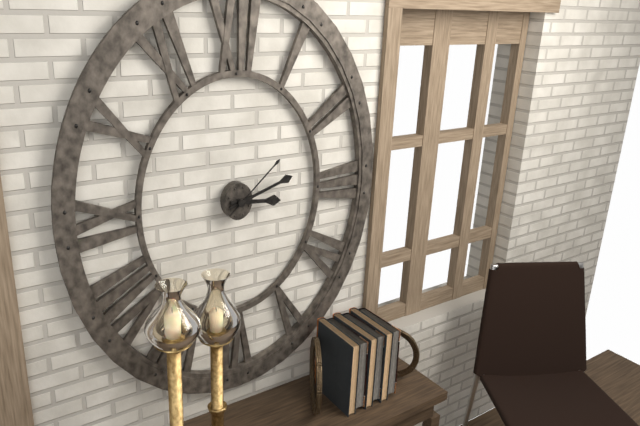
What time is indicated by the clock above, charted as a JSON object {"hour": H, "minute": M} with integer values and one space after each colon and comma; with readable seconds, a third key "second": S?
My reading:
{"hour": 3, "minute": 12, "second": 8}
